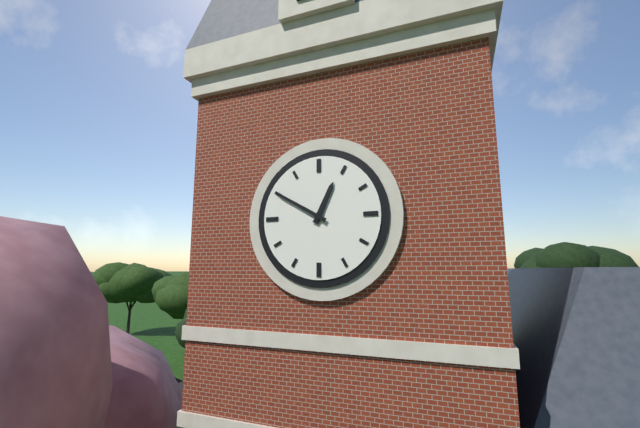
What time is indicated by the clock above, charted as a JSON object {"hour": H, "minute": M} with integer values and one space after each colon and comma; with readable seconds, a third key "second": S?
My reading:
{"hour": 12, "minute": 50}
